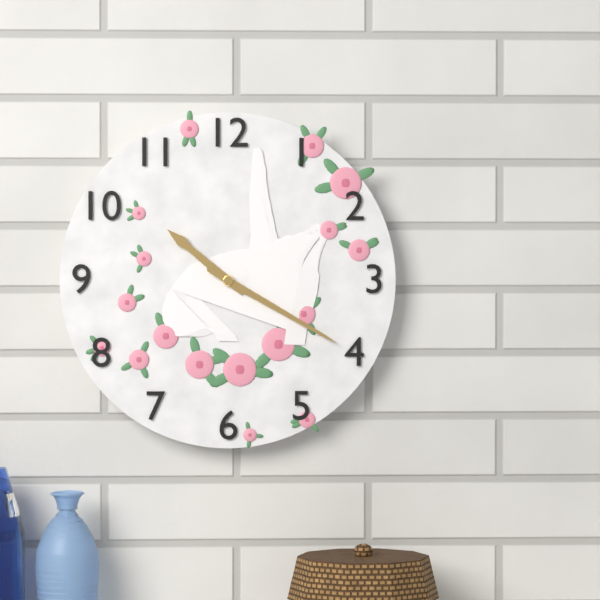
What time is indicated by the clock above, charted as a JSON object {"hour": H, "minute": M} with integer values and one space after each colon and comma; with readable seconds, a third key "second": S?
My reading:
{"hour": 10, "minute": 20}
